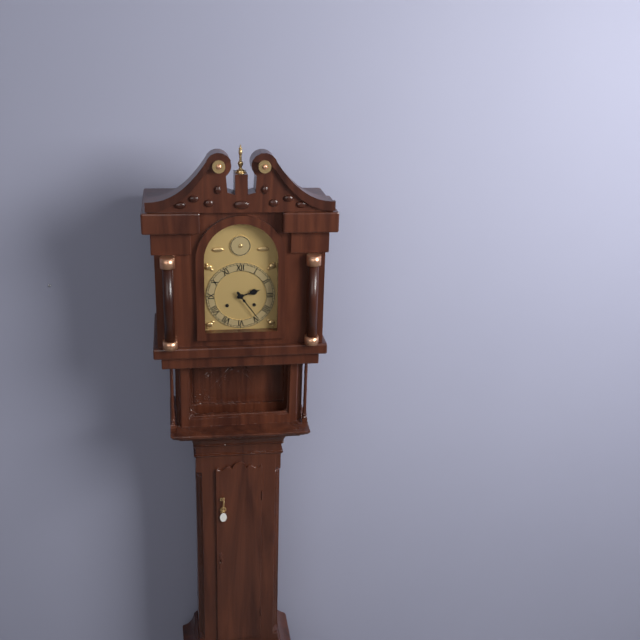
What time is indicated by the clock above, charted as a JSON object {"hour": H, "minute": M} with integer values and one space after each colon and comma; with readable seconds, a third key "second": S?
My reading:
{"hour": 2, "minute": 24}
